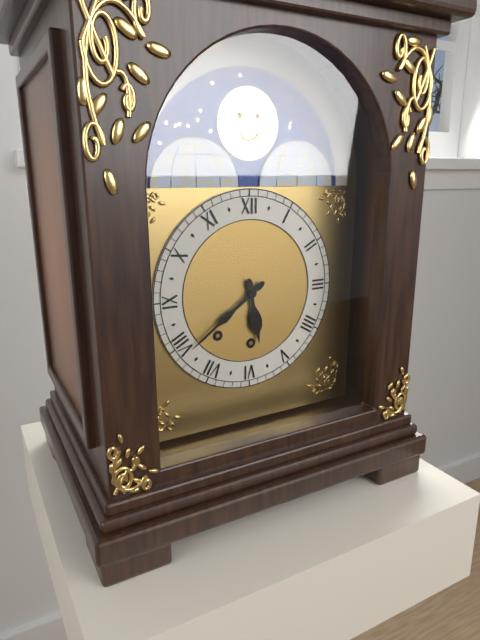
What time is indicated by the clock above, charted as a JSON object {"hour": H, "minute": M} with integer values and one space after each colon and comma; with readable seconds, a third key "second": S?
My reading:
{"hour": 5, "minute": 39}
